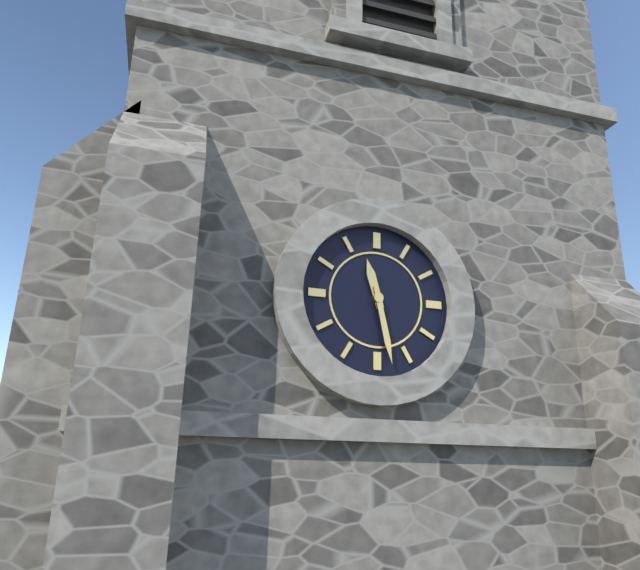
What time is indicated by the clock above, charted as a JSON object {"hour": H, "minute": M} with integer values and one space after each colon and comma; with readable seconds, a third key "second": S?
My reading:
{"hour": 11, "minute": 28}
